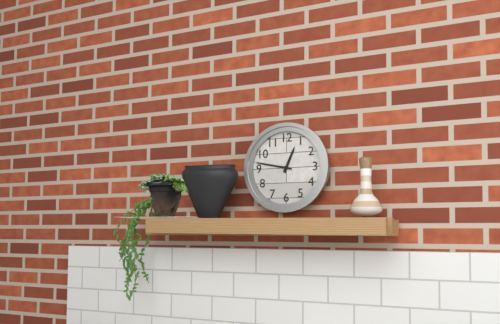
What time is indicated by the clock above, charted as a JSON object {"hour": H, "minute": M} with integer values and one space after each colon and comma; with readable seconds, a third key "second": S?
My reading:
{"hour": 12, "minute": 47}
